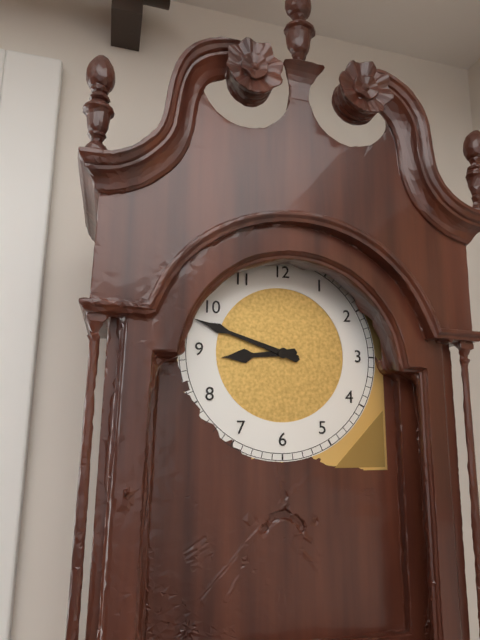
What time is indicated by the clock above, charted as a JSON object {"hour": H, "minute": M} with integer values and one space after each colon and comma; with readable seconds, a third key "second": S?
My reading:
{"hour": 8, "minute": 48}
